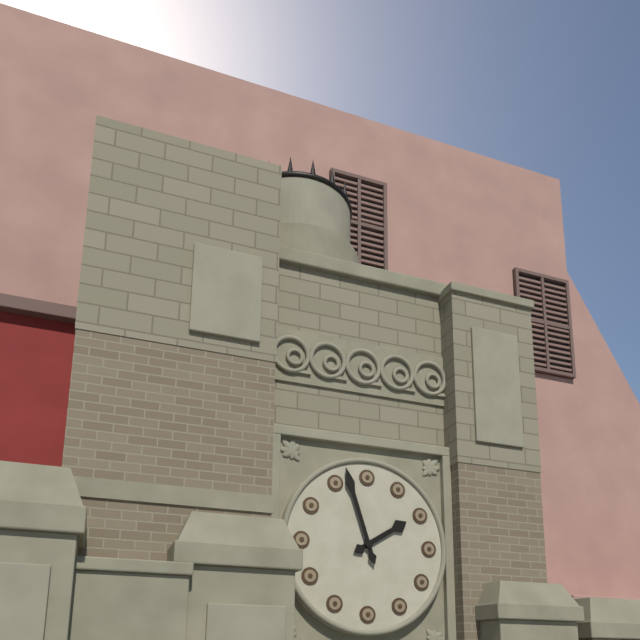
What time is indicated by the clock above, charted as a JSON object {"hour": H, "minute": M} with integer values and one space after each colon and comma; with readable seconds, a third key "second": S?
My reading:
{"hour": 1, "minute": 57}
